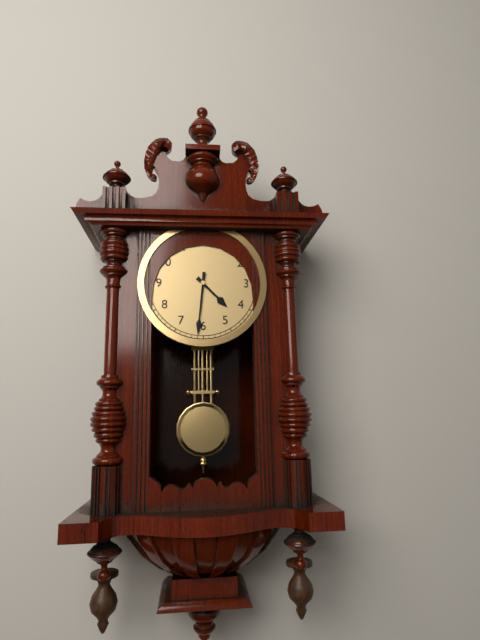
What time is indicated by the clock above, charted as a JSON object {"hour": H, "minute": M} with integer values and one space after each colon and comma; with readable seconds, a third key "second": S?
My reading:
{"hour": 4, "minute": 31}
